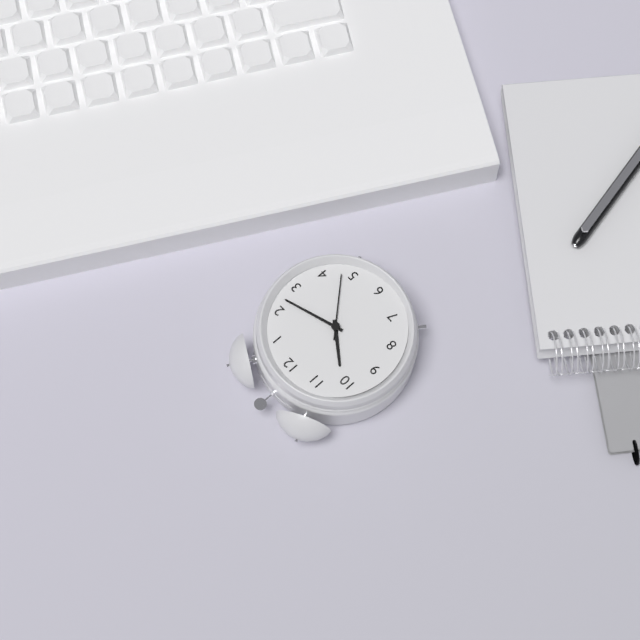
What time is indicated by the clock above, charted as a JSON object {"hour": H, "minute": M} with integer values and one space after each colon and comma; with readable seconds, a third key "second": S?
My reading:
{"hour": 10, "minute": 12, "second": 23}
